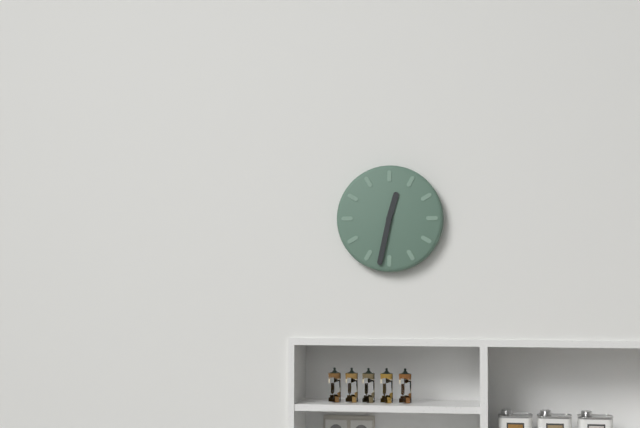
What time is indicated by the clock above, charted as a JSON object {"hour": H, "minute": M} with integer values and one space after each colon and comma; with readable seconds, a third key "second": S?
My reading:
{"hour": 12, "minute": 32}
